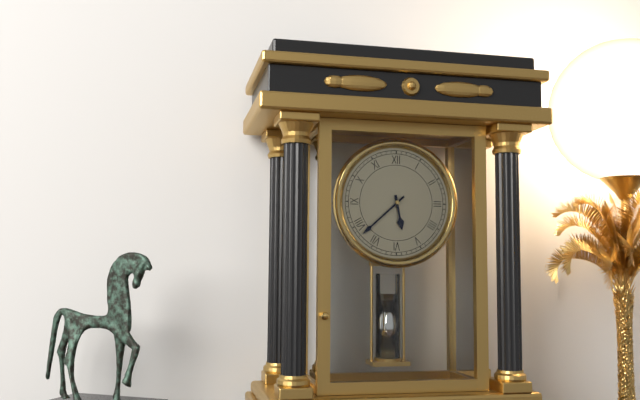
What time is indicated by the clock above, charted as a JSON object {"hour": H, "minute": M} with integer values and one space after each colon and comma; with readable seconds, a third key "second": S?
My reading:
{"hour": 5, "minute": 38}
